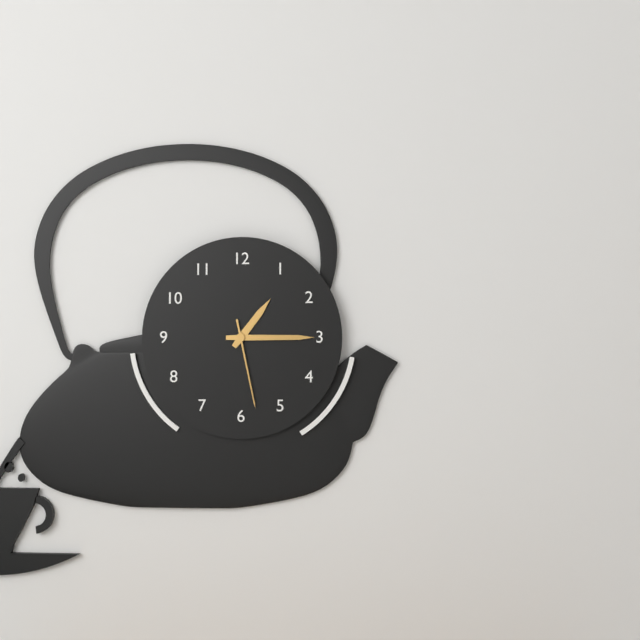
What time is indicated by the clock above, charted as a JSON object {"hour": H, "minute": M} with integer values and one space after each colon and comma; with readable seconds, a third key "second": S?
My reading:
{"hour": 1, "minute": 15, "second": 28}
